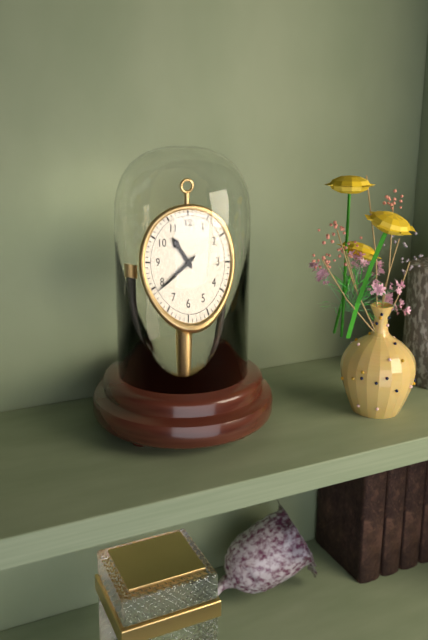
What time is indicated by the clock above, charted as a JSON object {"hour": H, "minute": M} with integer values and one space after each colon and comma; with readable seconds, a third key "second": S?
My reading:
{"hour": 10, "minute": 39}
